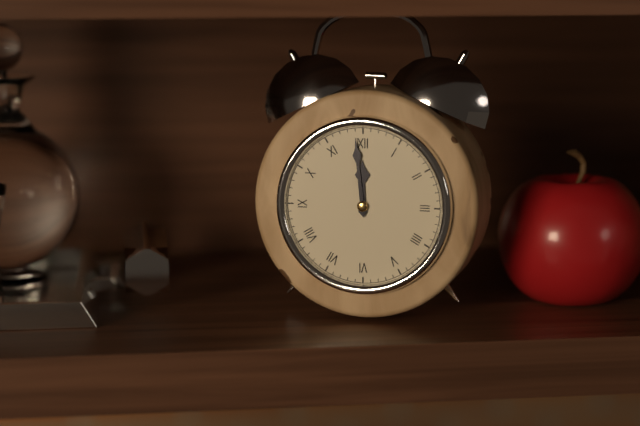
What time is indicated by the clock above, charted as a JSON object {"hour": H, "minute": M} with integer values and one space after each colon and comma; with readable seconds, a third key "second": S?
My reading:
{"hour": 11, "minute": 59}
